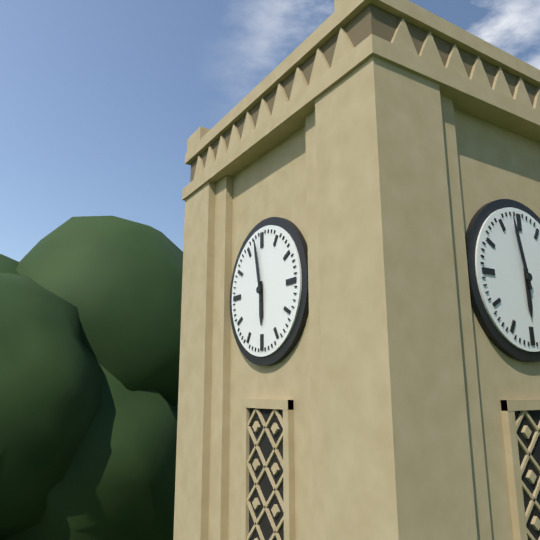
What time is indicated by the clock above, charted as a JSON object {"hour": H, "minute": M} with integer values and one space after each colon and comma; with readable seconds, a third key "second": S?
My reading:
{"hour": 5, "minute": 58}
